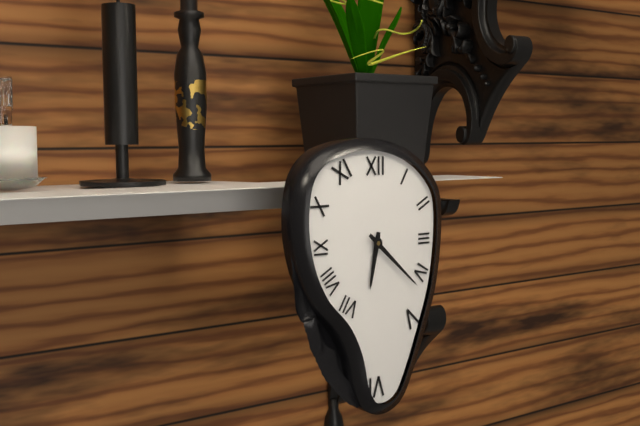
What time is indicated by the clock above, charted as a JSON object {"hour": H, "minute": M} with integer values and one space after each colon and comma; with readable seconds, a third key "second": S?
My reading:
{"hour": 6, "minute": 22}
